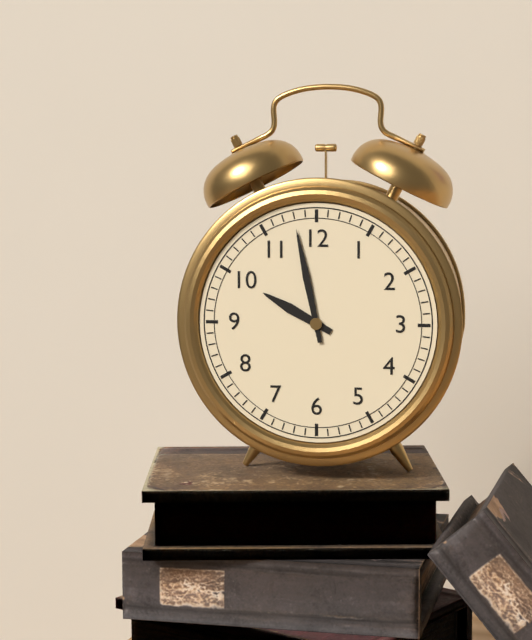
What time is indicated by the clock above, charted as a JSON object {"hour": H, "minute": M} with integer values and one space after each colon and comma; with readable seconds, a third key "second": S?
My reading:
{"hour": 9, "minute": 58}
